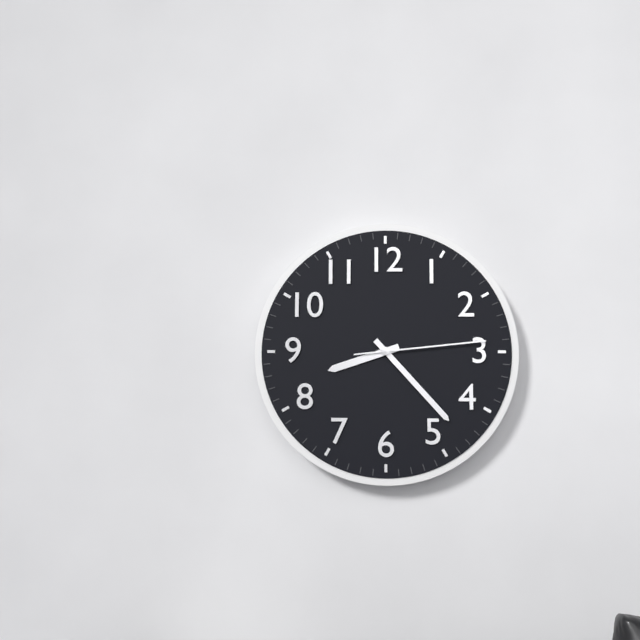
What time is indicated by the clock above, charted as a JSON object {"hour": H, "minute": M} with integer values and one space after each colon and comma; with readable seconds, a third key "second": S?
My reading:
{"hour": 8, "minute": 23, "second": 14}
